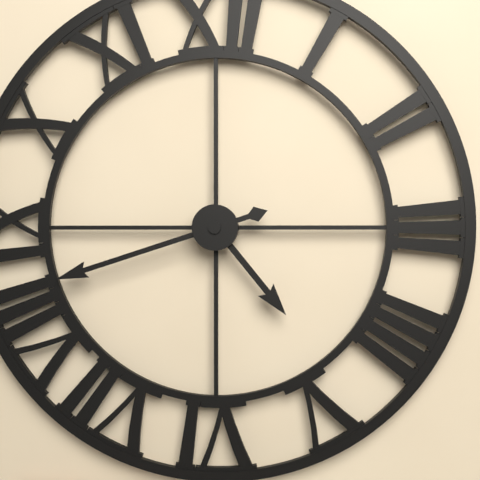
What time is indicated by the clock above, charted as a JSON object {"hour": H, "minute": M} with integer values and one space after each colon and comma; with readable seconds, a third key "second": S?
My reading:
{"hour": 4, "minute": 42}
